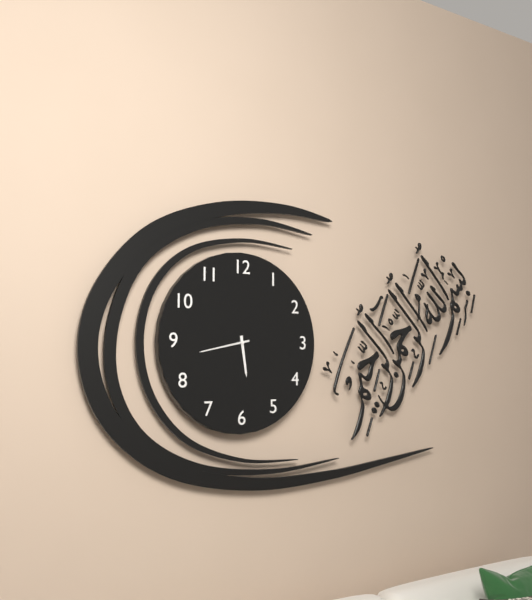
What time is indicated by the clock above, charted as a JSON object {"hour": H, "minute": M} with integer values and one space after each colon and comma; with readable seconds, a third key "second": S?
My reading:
{"hour": 5, "minute": 43}
